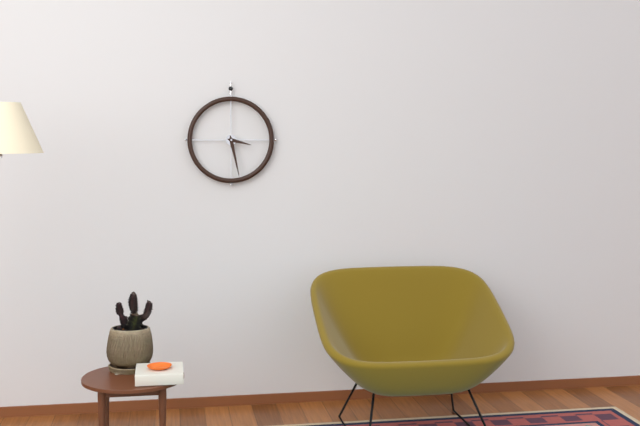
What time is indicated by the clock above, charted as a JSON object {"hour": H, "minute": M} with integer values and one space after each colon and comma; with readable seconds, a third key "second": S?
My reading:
{"hour": 3, "minute": 28}
